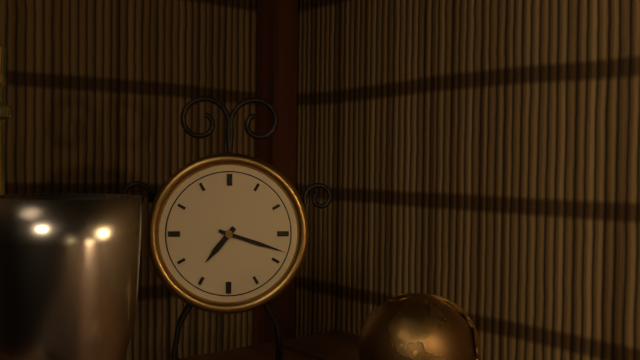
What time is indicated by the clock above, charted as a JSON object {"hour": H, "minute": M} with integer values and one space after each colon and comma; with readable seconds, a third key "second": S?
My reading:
{"hour": 7, "minute": 18}
